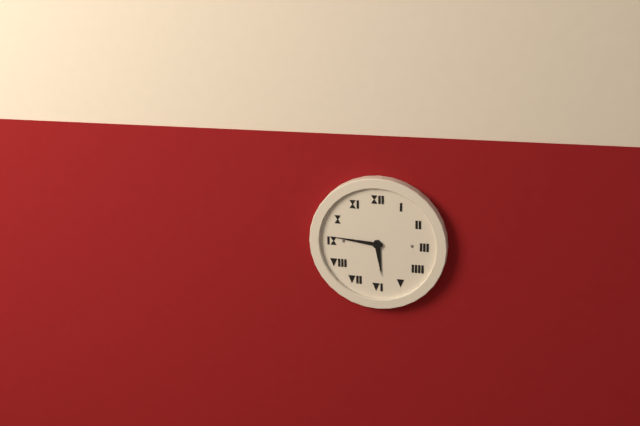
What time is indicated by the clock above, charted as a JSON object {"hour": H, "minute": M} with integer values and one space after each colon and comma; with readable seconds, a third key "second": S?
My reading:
{"hour": 5, "minute": 46}
